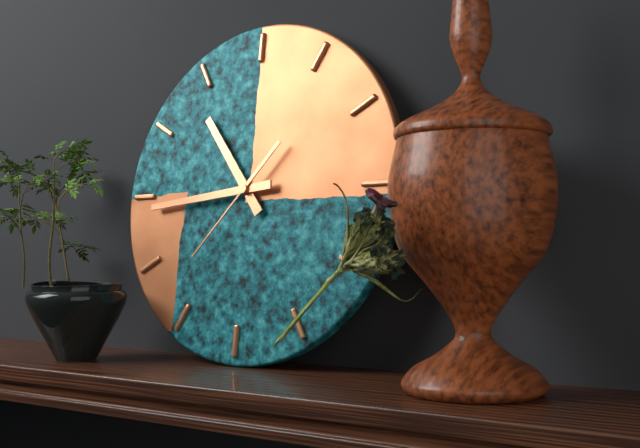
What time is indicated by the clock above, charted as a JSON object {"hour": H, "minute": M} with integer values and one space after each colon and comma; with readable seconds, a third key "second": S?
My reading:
{"hour": 10, "minute": 44, "second": 37}
